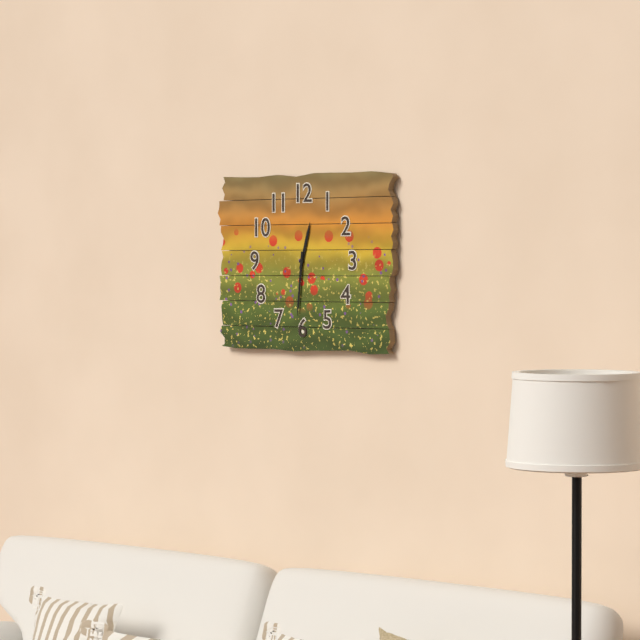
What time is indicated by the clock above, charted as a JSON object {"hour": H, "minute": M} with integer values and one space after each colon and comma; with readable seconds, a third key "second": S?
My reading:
{"hour": 12, "minute": 31}
